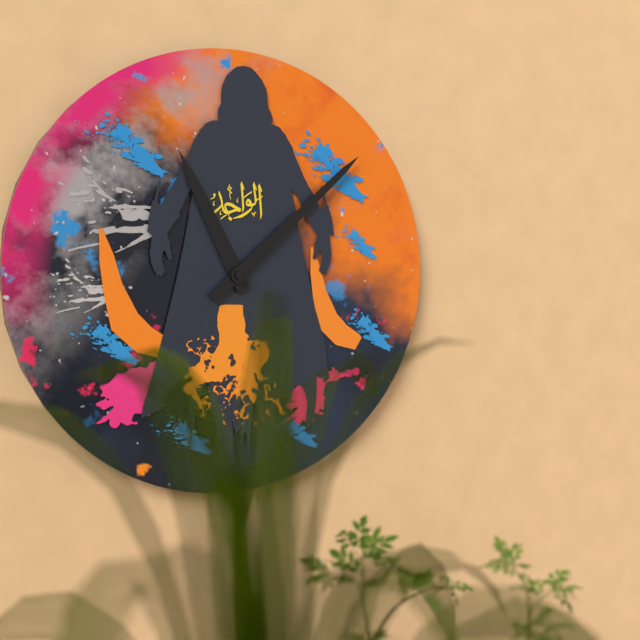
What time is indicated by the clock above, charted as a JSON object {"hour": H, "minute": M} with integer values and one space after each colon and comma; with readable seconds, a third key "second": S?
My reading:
{"hour": 11, "minute": 8}
